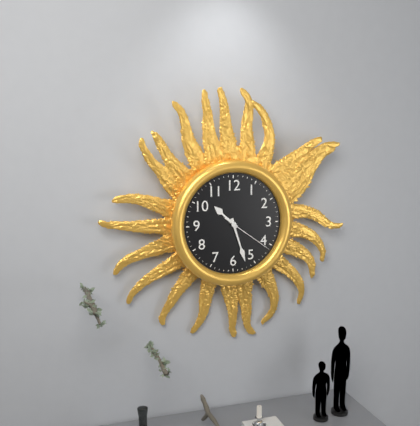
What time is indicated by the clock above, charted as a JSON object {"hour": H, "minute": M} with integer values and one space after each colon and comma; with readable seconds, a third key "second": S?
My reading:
{"hour": 10, "minute": 27, "second": 21}
